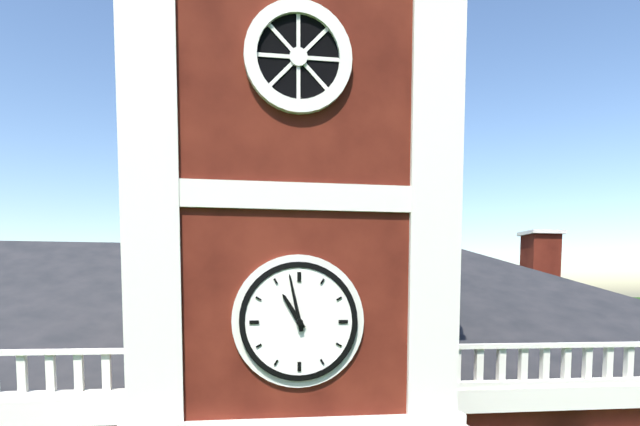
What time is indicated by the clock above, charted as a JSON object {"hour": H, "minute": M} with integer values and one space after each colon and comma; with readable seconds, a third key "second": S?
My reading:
{"hour": 10, "minute": 58}
